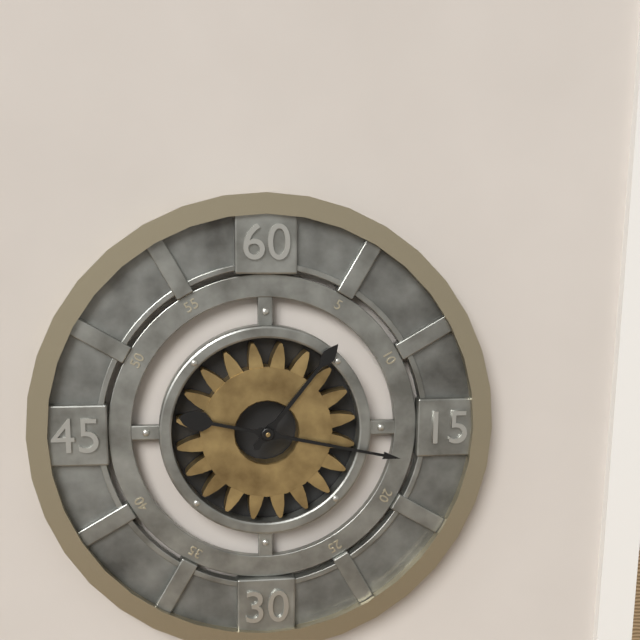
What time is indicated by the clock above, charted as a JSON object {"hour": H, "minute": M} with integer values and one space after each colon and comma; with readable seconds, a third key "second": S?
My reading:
{"hour": 1, "minute": 17}
